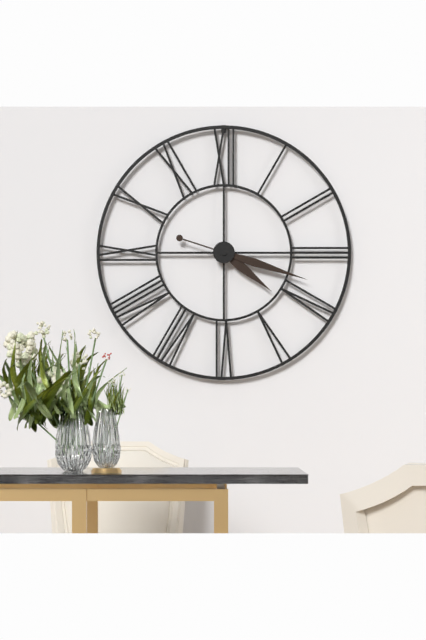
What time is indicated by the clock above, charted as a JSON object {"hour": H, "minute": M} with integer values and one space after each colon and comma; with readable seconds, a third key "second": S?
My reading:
{"hour": 4, "minute": 18}
